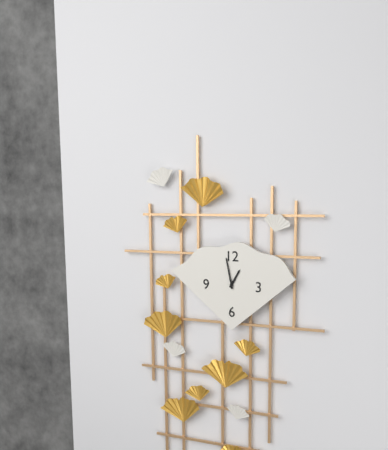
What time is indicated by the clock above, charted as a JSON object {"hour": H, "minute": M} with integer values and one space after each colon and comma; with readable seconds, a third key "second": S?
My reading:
{"hour": 12, "minute": 58}
